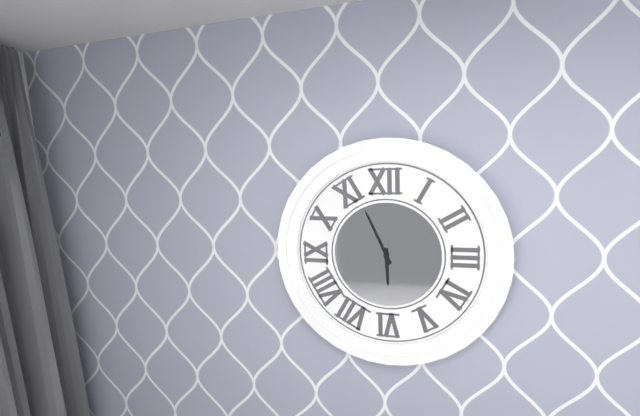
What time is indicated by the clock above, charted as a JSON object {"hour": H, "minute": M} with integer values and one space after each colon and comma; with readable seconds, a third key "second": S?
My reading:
{"hour": 5, "minute": 56}
